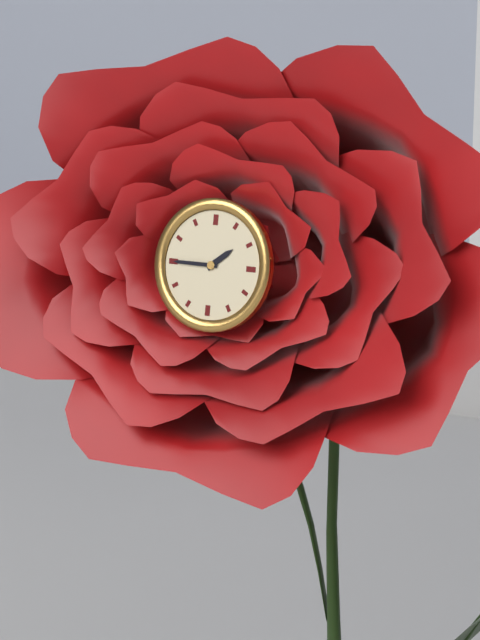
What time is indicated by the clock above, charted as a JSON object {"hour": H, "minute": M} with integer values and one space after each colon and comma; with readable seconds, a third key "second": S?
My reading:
{"hour": 1, "minute": 45}
